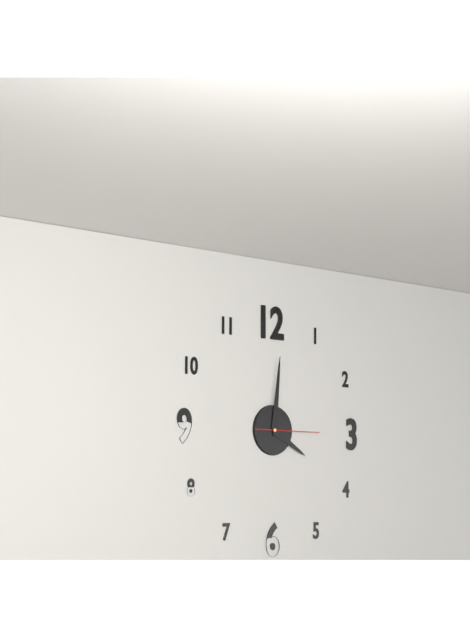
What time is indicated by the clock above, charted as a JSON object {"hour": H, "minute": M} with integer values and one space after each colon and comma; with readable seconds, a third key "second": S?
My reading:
{"hour": 4, "minute": 1, "second": 15}
